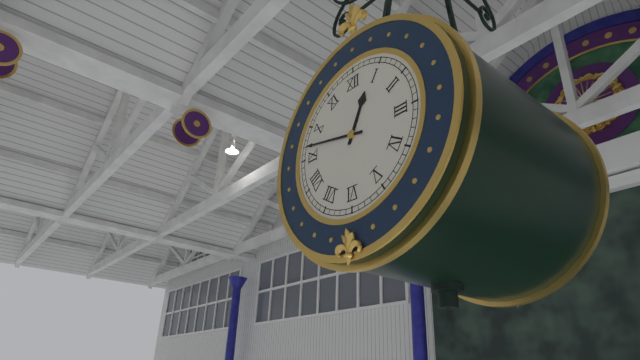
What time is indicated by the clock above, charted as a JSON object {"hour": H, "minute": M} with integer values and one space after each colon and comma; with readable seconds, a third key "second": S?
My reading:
{"hour": 12, "minute": 47}
